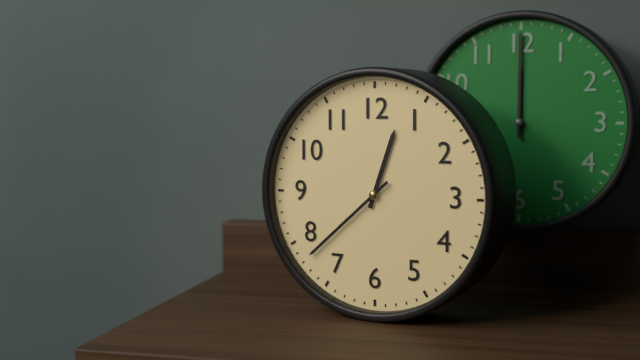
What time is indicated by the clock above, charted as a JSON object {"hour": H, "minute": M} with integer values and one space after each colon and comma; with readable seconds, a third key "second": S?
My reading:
{"hour": 12, "minute": 38}
